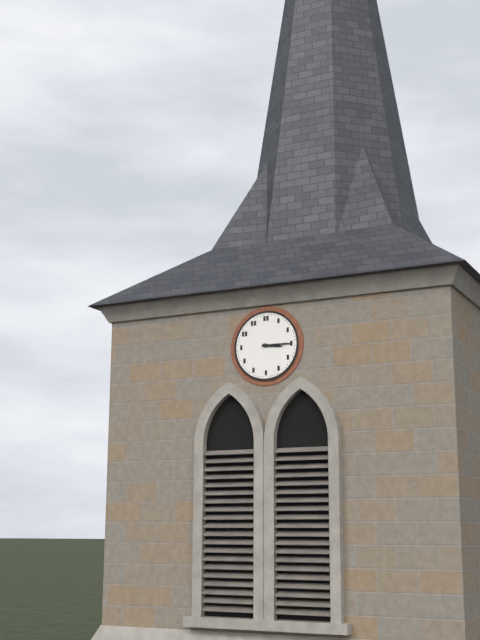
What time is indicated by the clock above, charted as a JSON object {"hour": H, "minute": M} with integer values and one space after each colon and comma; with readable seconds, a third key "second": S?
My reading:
{"hour": 3, "minute": 15}
